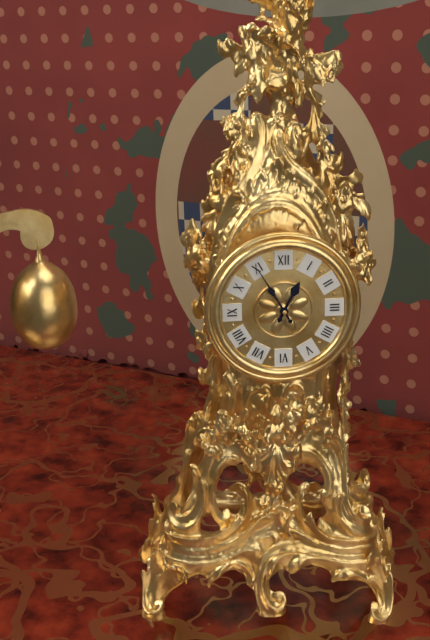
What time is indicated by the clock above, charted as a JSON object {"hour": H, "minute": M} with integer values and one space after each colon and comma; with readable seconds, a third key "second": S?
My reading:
{"hour": 12, "minute": 55}
